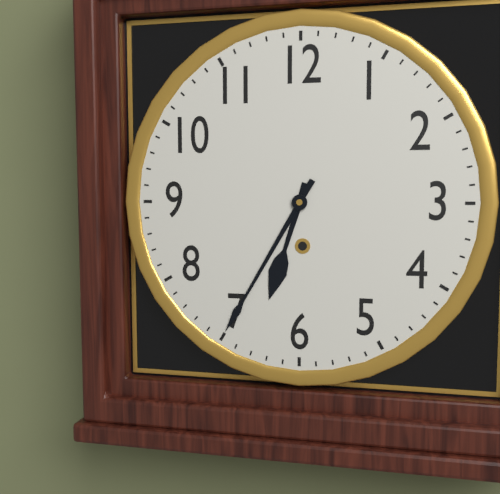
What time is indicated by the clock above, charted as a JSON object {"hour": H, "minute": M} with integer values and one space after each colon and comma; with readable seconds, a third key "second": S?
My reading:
{"hour": 6, "minute": 35}
